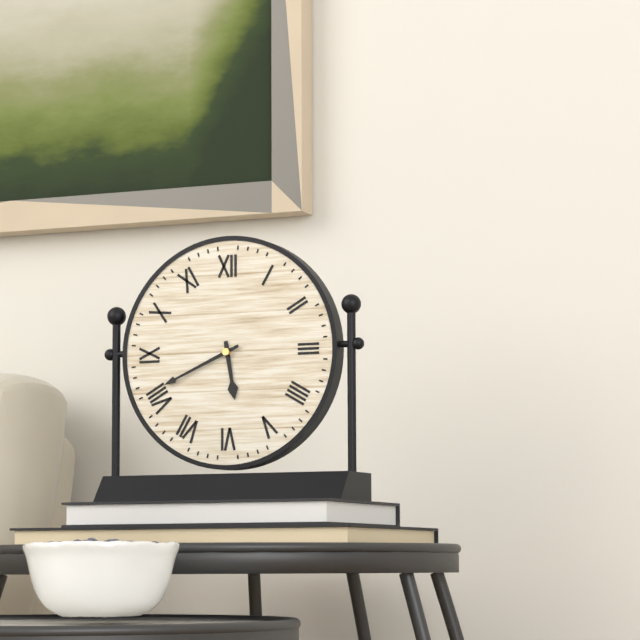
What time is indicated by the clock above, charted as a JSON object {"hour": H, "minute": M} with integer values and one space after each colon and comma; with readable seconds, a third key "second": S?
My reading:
{"hour": 5, "minute": 41}
